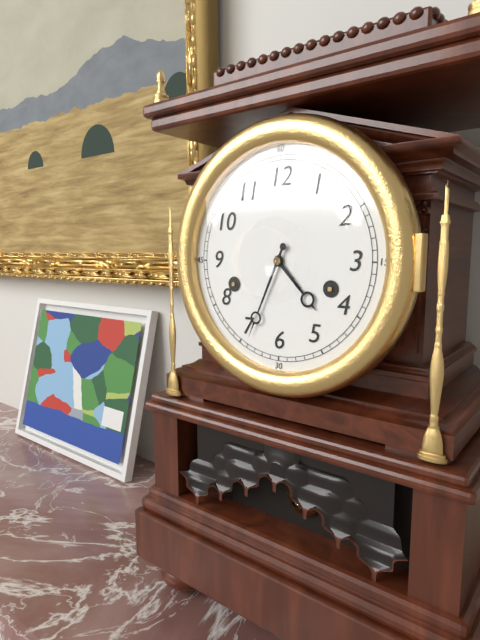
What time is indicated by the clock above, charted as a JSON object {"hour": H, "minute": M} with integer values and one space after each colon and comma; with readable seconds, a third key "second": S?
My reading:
{"hour": 4, "minute": 34}
